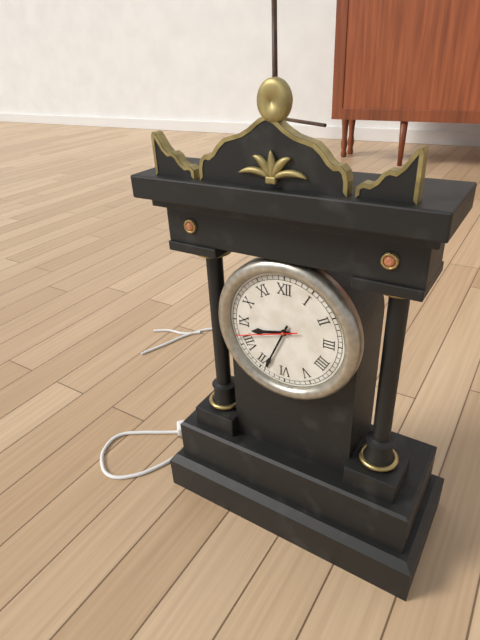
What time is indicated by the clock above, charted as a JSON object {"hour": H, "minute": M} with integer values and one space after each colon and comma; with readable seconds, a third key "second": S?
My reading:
{"hour": 8, "minute": 34, "second": 42}
